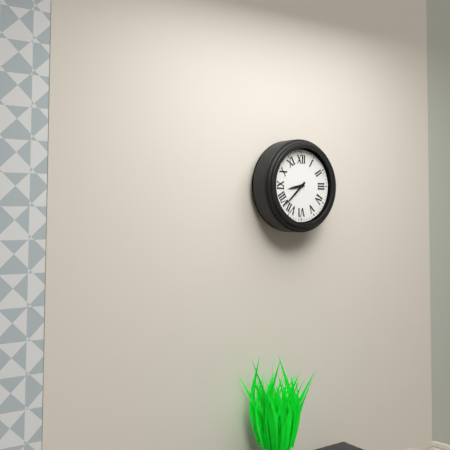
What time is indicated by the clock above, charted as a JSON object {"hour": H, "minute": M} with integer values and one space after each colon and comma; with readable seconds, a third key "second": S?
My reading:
{"hour": 8, "minute": 38}
